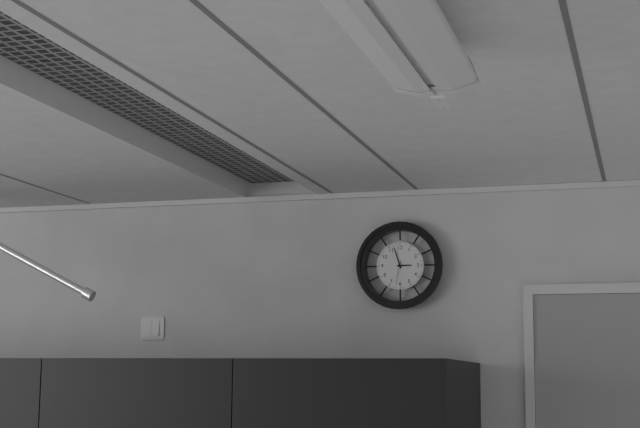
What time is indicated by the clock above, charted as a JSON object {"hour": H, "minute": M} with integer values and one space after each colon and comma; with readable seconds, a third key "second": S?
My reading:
{"hour": 2, "minute": 57}
